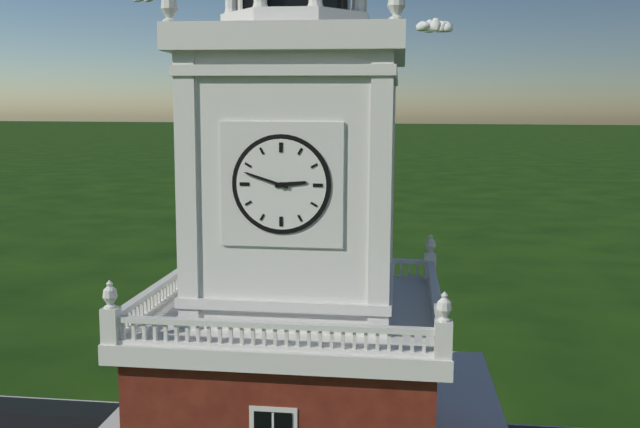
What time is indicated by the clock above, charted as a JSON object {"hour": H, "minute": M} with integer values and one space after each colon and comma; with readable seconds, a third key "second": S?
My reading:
{"hour": 2, "minute": 48}
